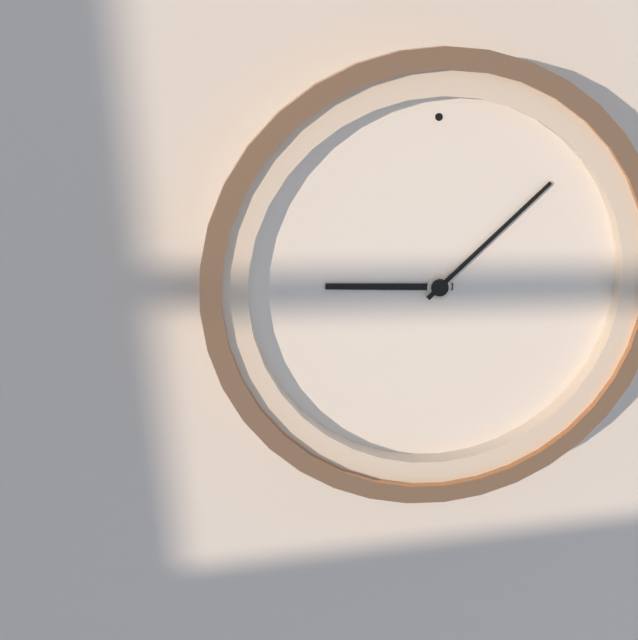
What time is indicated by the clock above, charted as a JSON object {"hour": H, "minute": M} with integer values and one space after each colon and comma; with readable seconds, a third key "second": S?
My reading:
{"hour": 9, "minute": 8}
